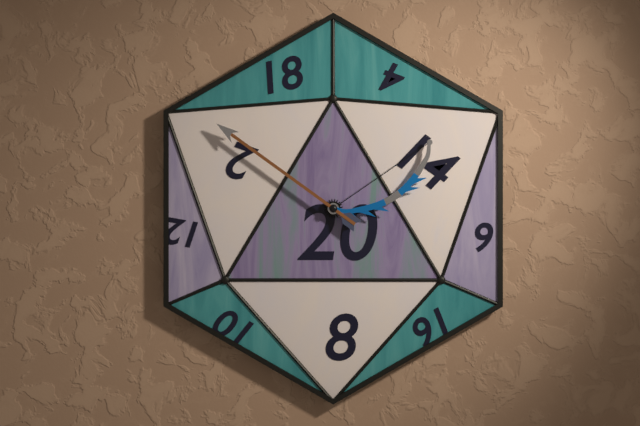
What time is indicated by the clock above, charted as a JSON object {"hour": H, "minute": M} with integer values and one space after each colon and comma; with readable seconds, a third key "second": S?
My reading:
{"hour": 1, "minute": 51}
